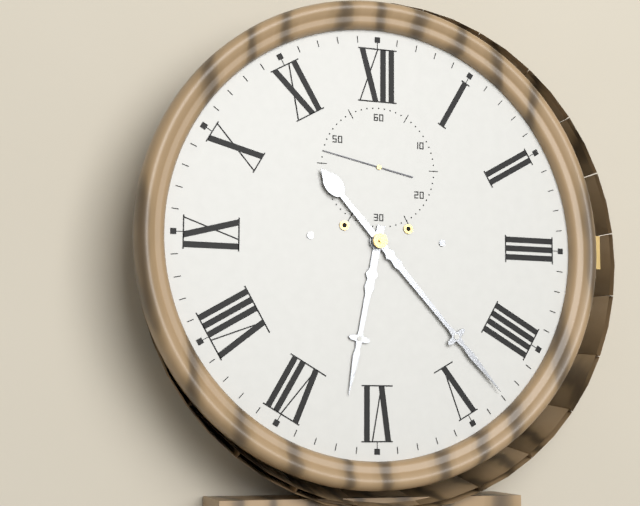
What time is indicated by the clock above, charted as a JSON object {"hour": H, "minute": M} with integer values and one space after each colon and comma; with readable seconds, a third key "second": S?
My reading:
{"hour": 6, "minute": 23, "second": 47}
